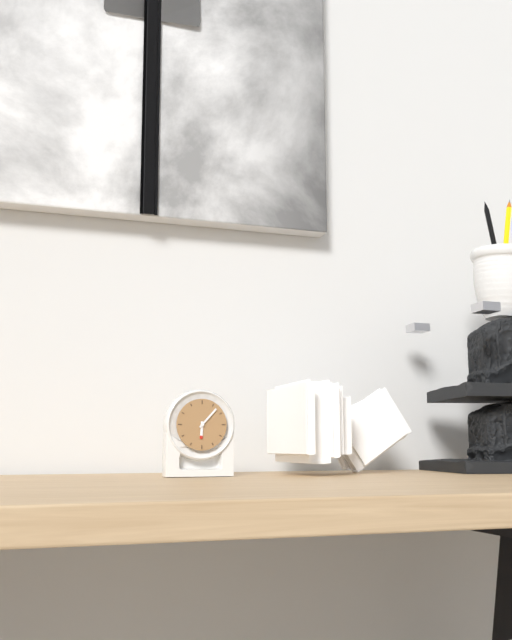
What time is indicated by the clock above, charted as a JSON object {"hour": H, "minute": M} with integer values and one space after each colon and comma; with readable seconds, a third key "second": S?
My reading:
{"hour": 6, "minute": 7}
